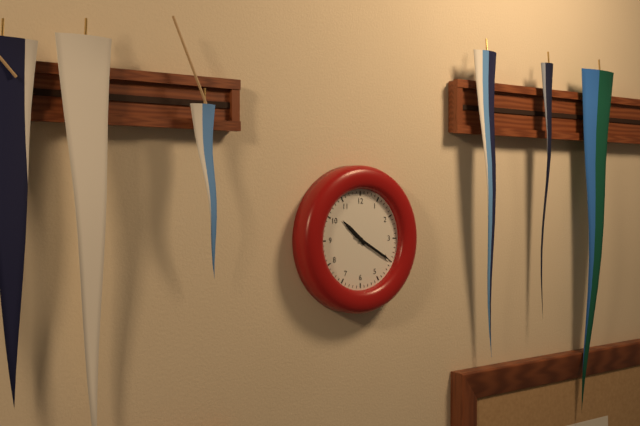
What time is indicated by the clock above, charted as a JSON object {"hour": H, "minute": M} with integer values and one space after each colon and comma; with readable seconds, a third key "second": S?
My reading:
{"hour": 10, "minute": 20}
